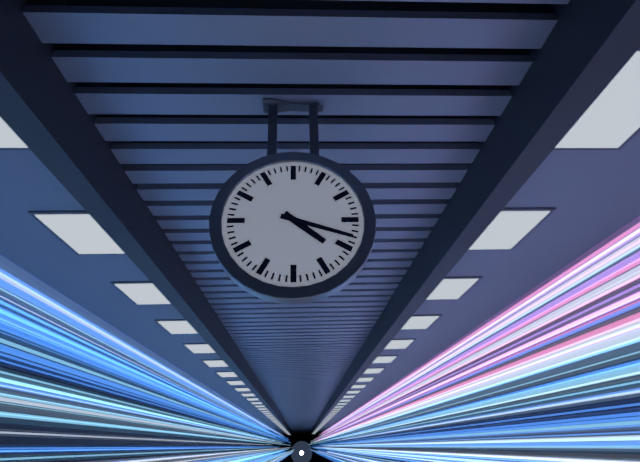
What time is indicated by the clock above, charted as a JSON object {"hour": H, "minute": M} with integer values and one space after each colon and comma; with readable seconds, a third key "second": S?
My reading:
{"hour": 4, "minute": 18}
